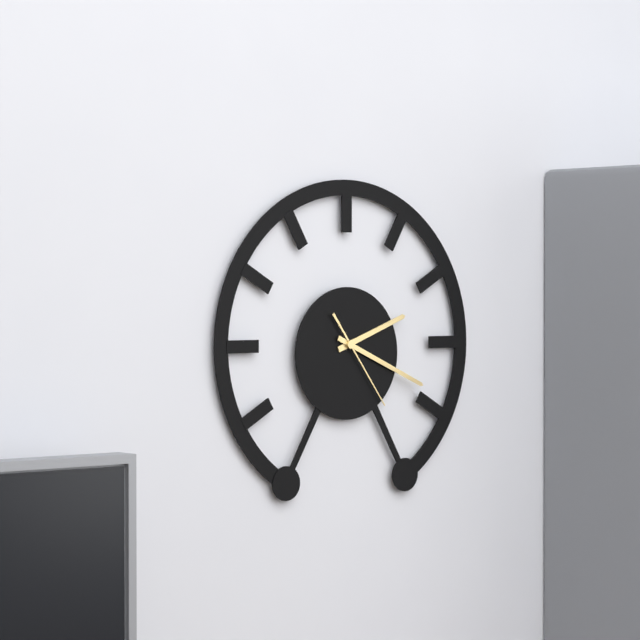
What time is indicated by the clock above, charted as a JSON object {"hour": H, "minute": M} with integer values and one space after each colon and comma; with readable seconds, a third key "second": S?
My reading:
{"hour": 2, "minute": 19, "second": 24}
